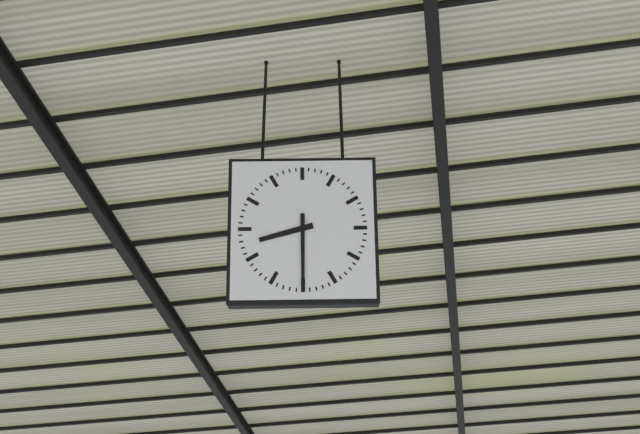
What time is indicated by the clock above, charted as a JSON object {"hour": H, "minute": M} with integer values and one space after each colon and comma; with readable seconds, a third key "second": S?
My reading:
{"hour": 8, "minute": 30}
